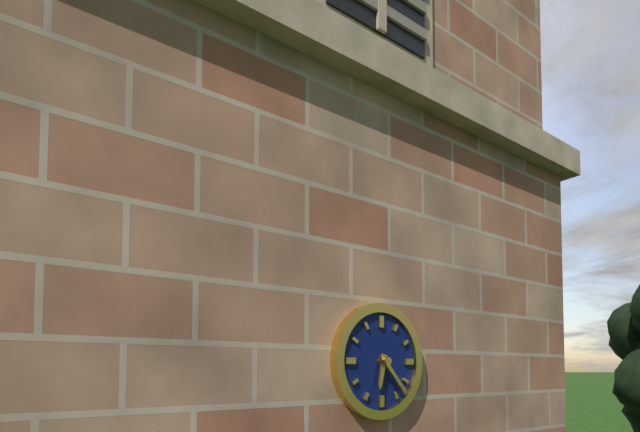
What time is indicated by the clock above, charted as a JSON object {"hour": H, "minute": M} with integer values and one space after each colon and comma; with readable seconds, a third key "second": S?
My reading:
{"hour": 6, "minute": 23}
